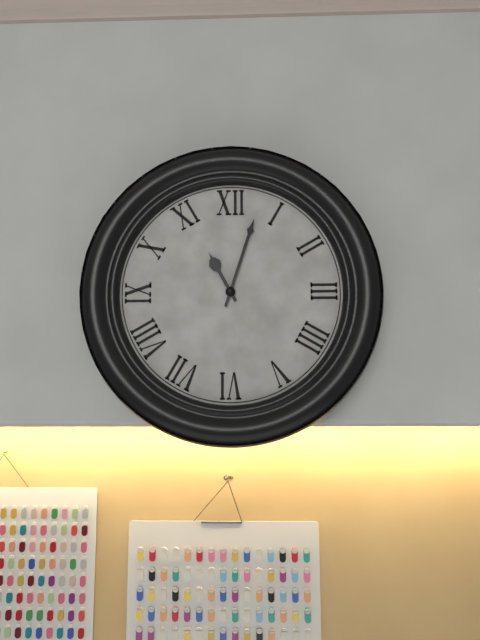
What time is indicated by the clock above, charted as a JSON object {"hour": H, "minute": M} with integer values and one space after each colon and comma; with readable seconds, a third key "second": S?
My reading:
{"hour": 11, "minute": 3}
